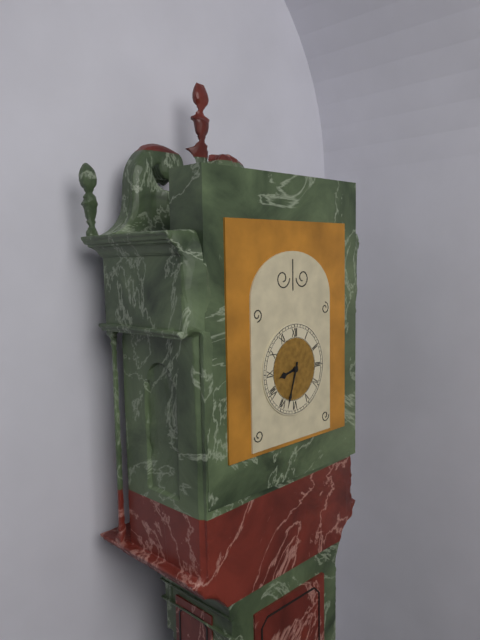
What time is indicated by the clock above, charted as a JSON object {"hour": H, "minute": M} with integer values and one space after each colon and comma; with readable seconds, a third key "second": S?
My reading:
{"hour": 8, "minute": 33}
